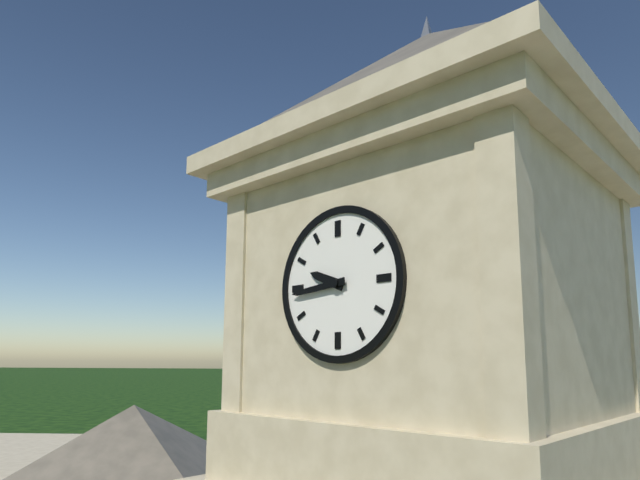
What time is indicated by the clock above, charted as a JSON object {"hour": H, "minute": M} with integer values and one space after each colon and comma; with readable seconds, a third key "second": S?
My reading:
{"hour": 9, "minute": 44}
